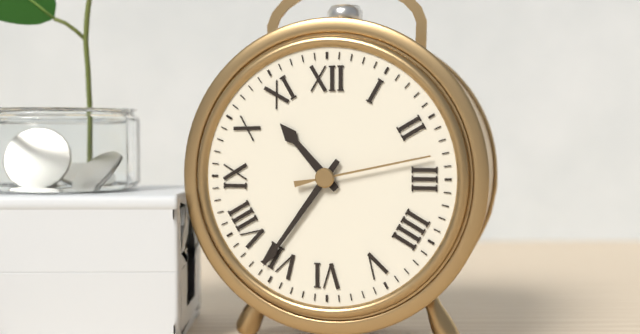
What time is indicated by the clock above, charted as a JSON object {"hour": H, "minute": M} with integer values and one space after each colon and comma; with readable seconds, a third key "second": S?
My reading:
{"hour": 10, "minute": 36, "second": 13}
